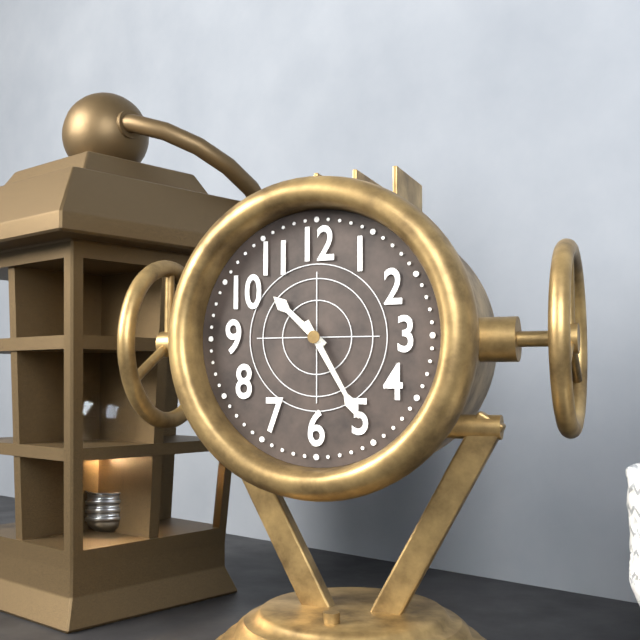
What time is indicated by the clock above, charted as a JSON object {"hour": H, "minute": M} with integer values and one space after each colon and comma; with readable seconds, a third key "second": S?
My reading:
{"hour": 10, "minute": 25}
